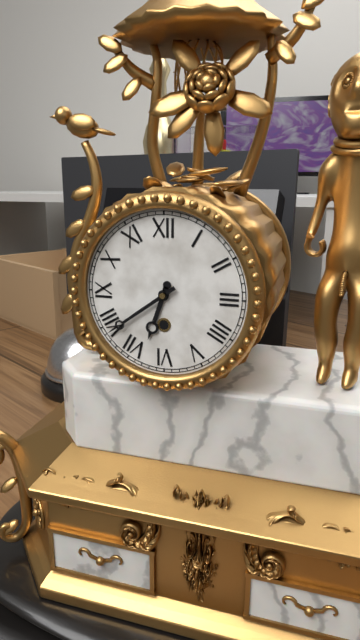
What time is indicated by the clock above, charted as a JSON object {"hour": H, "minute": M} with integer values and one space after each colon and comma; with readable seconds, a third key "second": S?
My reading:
{"hour": 6, "minute": 39}
